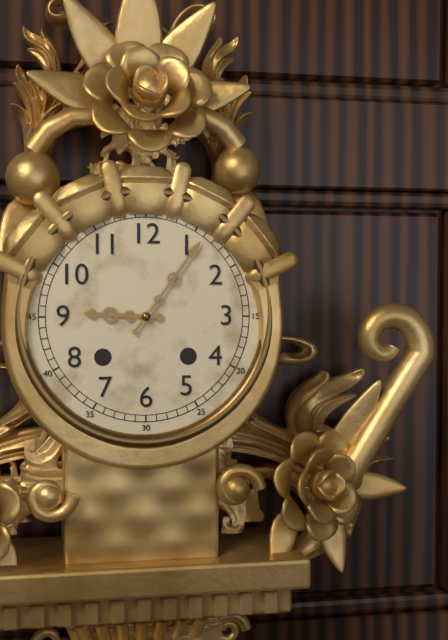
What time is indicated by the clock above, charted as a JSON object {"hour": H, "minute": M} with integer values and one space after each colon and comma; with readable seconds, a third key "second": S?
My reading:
{"hour": 9, "minute": 6}
